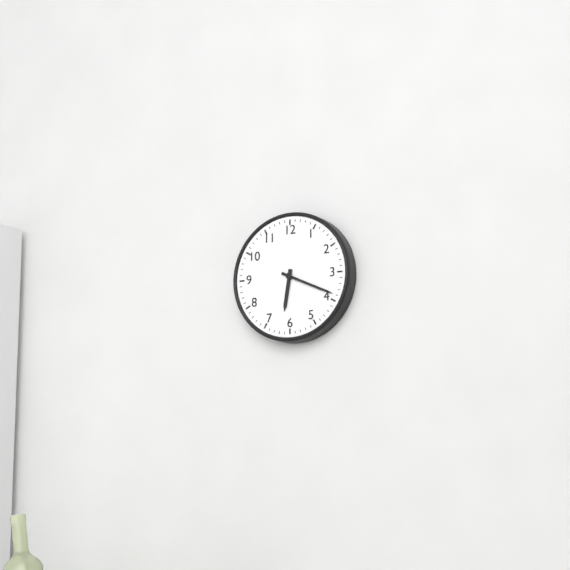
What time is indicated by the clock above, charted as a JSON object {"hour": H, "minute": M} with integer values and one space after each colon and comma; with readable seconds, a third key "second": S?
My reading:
{"hour": 6, "minute": 19}
